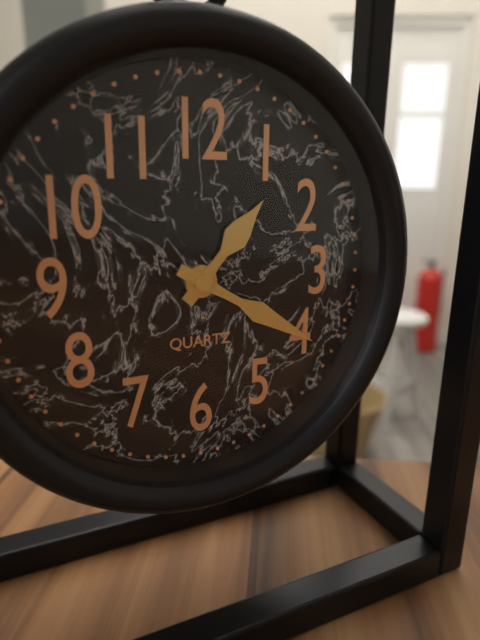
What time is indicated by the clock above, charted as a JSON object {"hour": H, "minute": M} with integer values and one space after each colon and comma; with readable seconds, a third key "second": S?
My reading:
{"hour": 1, "minute": 20}
